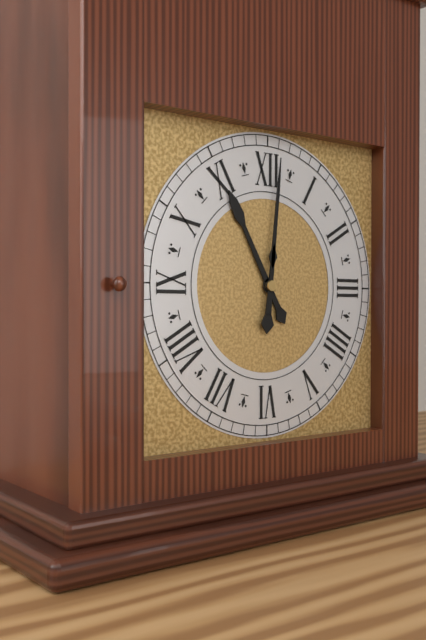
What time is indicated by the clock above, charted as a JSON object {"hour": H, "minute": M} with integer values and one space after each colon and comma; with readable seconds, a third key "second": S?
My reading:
{"hour": 11, "minute": 1}
